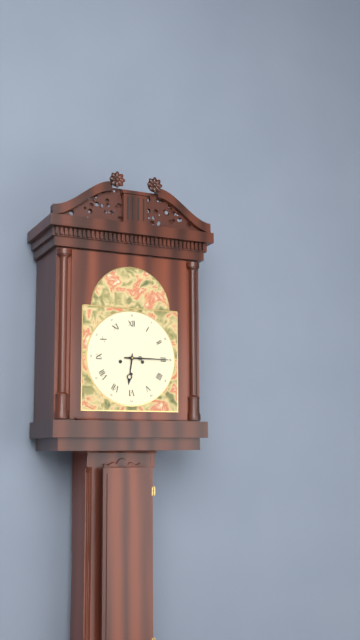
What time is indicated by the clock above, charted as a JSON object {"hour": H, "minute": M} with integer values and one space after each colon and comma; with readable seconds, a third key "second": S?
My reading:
{"hour": 6, "minute": 15}
